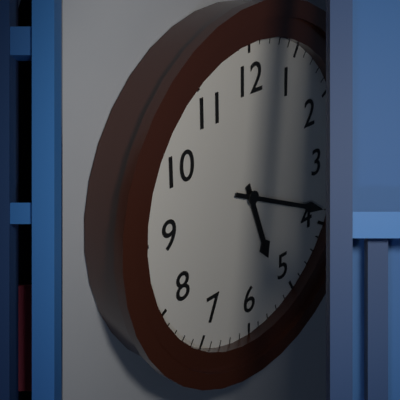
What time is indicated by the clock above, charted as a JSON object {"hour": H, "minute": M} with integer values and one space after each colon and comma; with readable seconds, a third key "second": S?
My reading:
{"hour": 5, "minute": 19}
